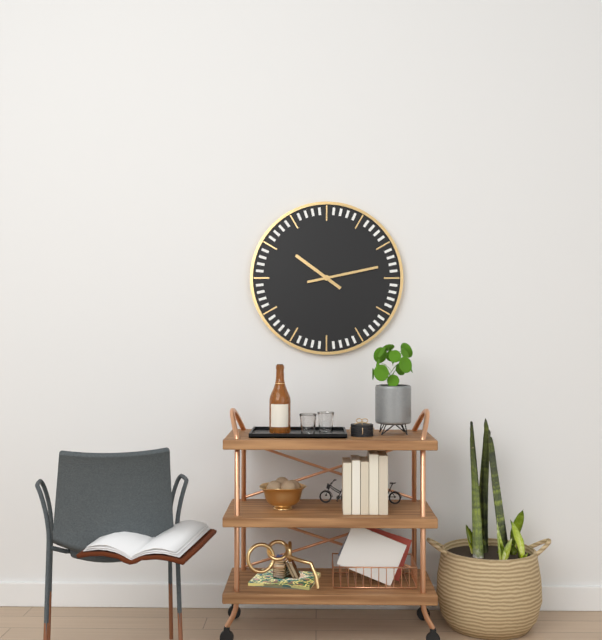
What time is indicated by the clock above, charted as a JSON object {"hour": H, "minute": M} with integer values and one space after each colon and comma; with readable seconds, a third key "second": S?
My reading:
{"hour": 10, "minute": 13}
